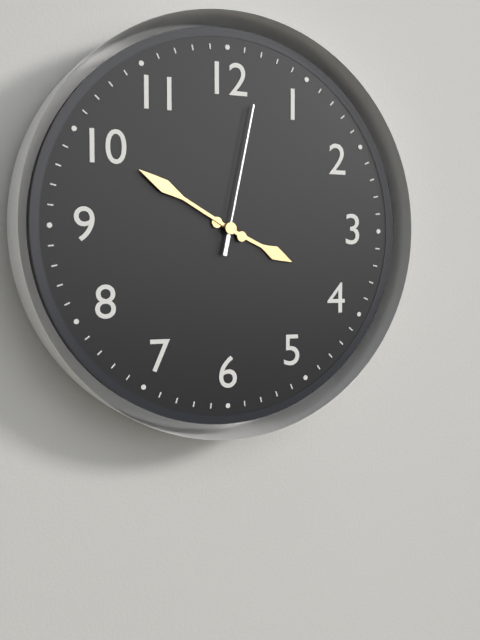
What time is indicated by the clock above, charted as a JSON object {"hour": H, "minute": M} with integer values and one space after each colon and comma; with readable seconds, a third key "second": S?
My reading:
{"hour": 3, "minute": 50, "second": 2}
